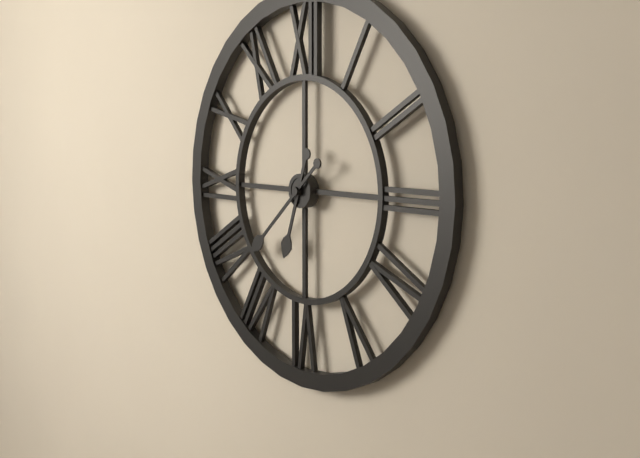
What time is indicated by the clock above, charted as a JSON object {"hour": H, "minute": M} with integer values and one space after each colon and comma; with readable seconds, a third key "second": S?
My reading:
{"hour": 6, "minute": 38}
